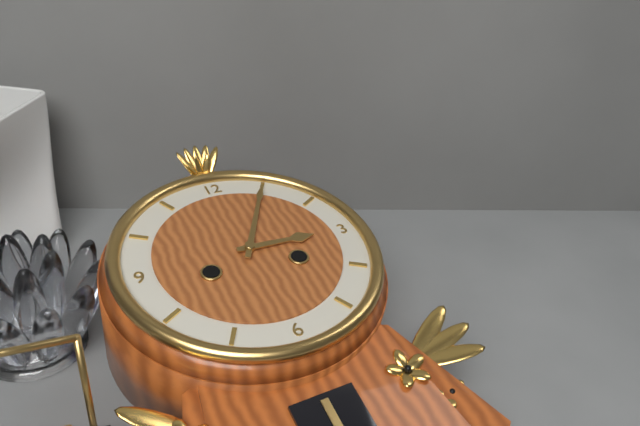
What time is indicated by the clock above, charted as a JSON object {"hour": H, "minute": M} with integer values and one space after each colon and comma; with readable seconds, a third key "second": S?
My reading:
{"hour": 3, "minute": 5}
